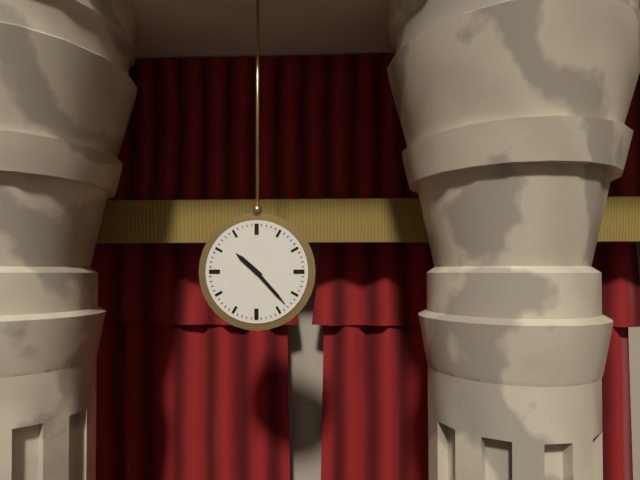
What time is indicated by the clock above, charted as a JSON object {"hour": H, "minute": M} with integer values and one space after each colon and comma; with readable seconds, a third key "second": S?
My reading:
{"hour": 10, "minute": 23}
